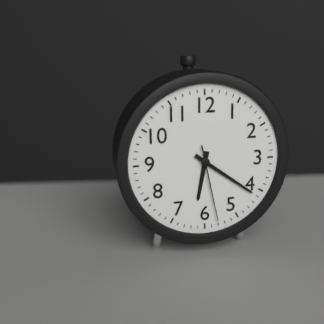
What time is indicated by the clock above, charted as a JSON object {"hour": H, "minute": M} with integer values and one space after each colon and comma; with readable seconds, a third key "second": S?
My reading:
{"hour": 6, "minute": 21, "second": 28}
